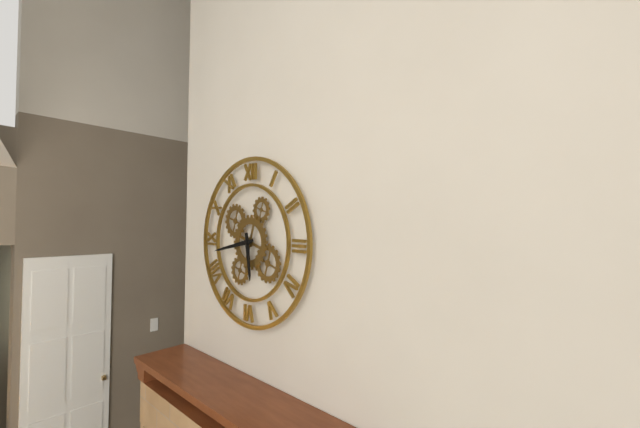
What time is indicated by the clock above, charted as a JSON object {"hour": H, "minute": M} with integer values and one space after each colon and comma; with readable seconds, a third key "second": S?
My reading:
{"hour": 5, "minute": 43}
